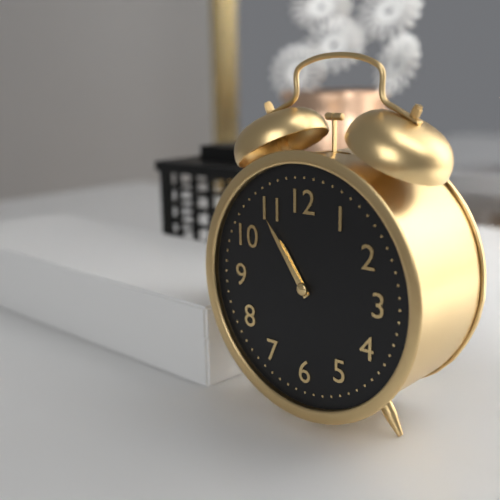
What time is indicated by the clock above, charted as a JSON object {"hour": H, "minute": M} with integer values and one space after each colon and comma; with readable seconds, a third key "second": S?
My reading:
{"hour": 10, "minute": 54}
